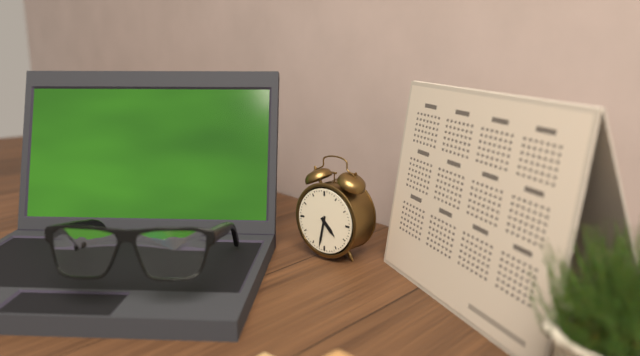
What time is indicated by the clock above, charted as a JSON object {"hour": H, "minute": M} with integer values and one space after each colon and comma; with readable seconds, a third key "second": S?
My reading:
{"hour": 4, "minute": 32}
